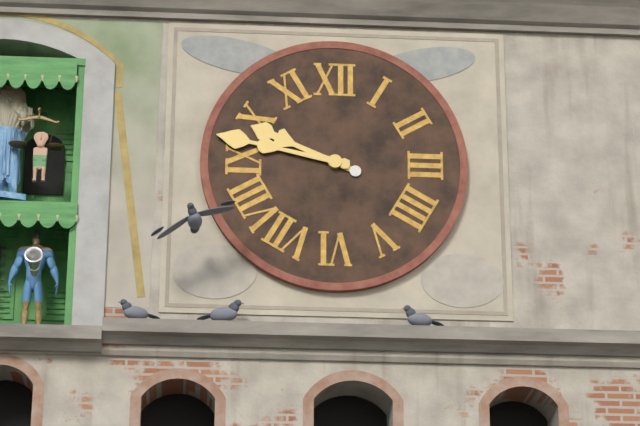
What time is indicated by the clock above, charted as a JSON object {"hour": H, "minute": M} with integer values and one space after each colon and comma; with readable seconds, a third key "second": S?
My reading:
{"hour": 9, "minute": 47}
